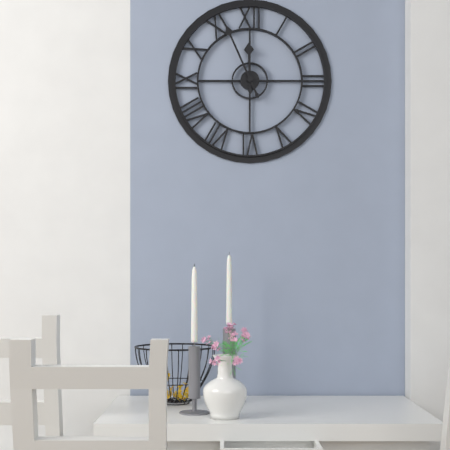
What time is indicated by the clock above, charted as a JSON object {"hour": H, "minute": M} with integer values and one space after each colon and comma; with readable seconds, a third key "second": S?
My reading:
{"hour": 11, "minute": 56}
